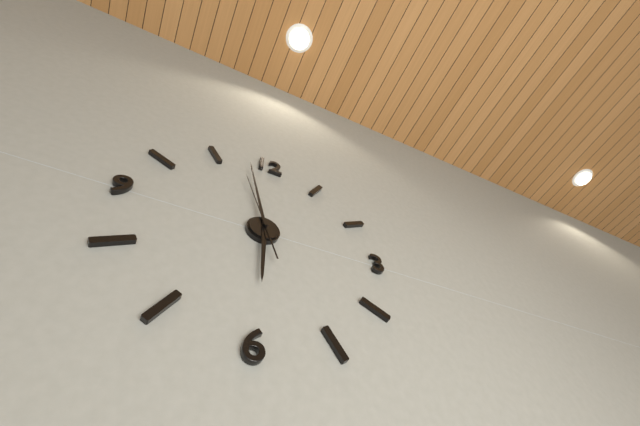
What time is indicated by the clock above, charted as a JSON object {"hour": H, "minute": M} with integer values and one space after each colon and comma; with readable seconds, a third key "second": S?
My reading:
{"hour": 5, "minute": 58, "second": 57}
